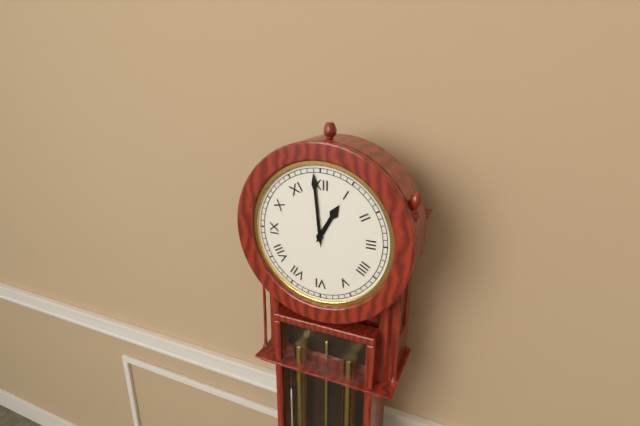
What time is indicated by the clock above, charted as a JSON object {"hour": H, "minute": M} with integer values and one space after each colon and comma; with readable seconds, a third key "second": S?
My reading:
{"hour": 12, "minute": 59}
